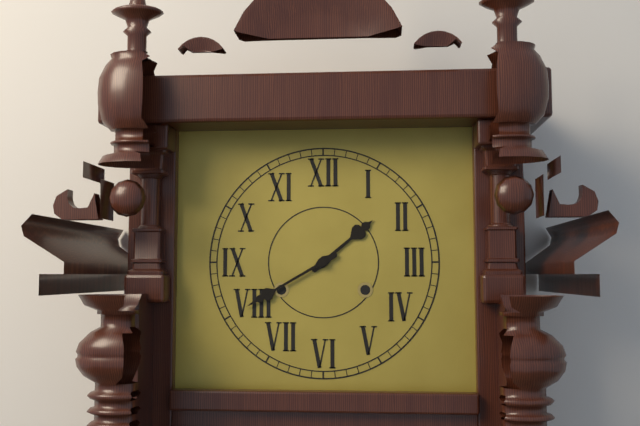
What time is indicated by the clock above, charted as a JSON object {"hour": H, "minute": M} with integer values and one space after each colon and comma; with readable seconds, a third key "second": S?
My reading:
{"hour": 1, "minute": 40}
